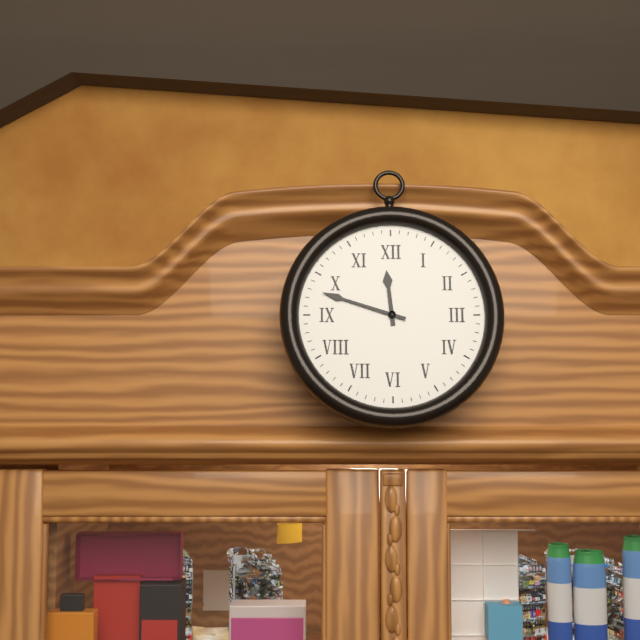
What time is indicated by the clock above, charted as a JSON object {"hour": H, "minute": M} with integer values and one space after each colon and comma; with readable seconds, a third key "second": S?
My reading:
{"hour": 11, "minute": 48}
